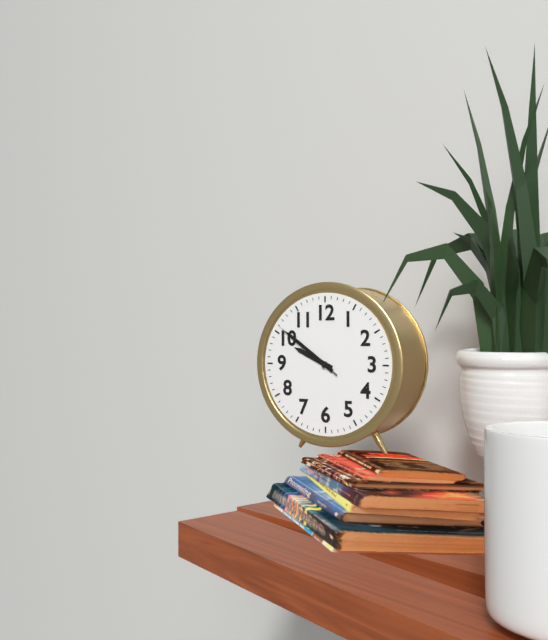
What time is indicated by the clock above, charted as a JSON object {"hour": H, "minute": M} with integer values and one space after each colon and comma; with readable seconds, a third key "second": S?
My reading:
{"hour": 9, "minute": 51, "second": 51}
